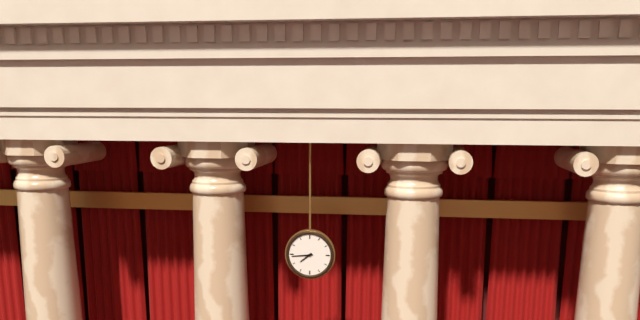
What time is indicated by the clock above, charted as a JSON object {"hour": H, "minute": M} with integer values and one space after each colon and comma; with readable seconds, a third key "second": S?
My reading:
{"hour": 7, "minute": 44}
